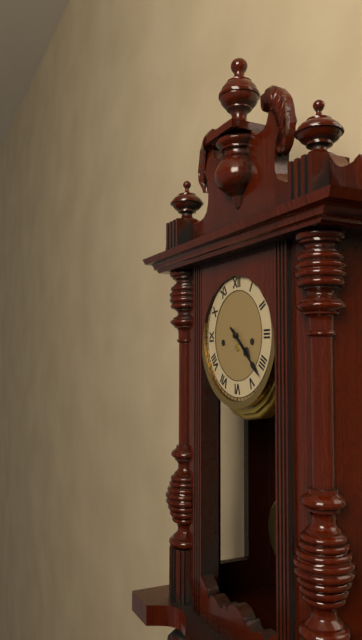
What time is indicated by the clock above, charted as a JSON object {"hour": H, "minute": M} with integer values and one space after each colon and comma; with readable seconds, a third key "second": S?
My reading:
{"hour": 4, "minute": 22}
